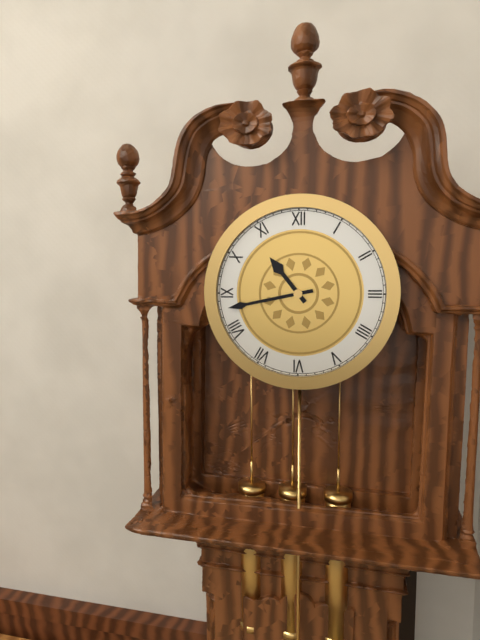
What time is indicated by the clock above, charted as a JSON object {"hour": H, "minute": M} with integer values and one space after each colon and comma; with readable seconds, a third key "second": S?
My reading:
{"hour": 10, "minute": 43}
